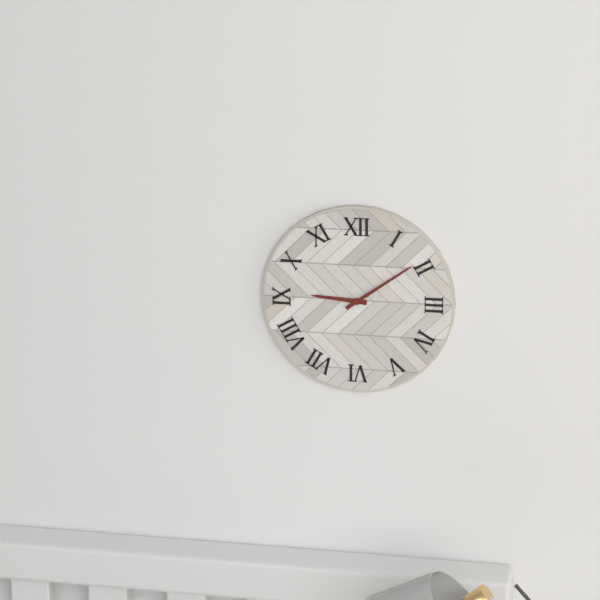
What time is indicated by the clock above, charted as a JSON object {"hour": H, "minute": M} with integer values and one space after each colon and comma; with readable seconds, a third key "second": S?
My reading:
{"hour": 9, "minute": 9}
